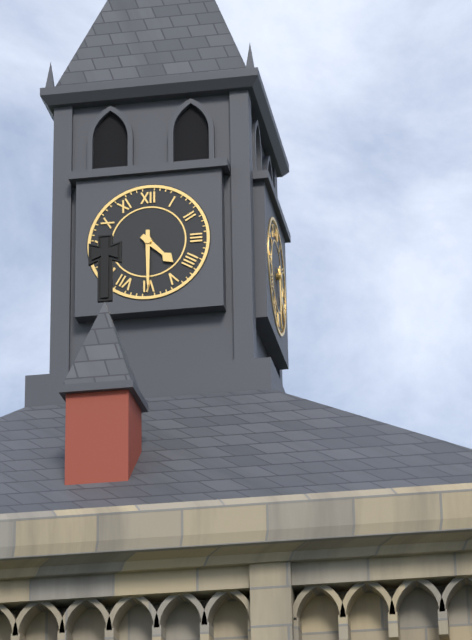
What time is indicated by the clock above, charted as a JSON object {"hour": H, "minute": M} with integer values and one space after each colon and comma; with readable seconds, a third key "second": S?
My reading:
{"hour": 4, "minute": 30}
